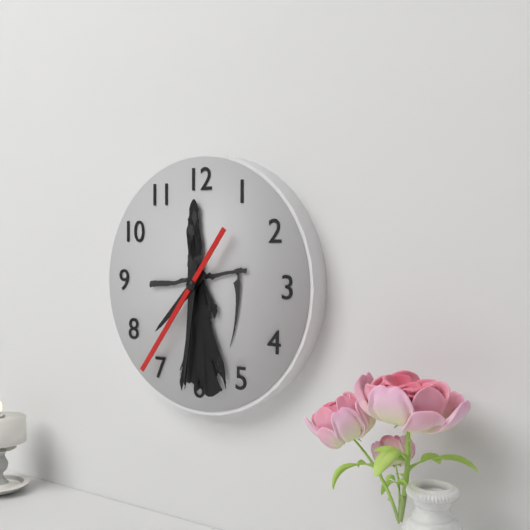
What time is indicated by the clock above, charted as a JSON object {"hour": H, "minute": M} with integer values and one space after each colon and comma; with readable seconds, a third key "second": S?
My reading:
{"hour": 7, "minute": 31, "second": 36}
